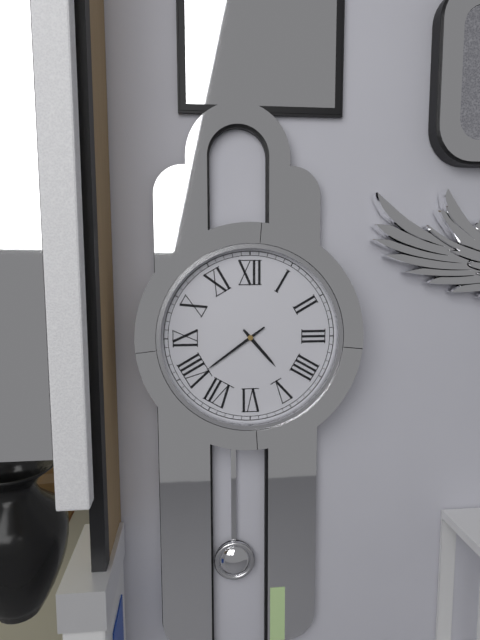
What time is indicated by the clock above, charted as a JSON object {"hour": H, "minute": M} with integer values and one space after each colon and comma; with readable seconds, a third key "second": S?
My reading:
{"hour": 4, "minute": 39}
